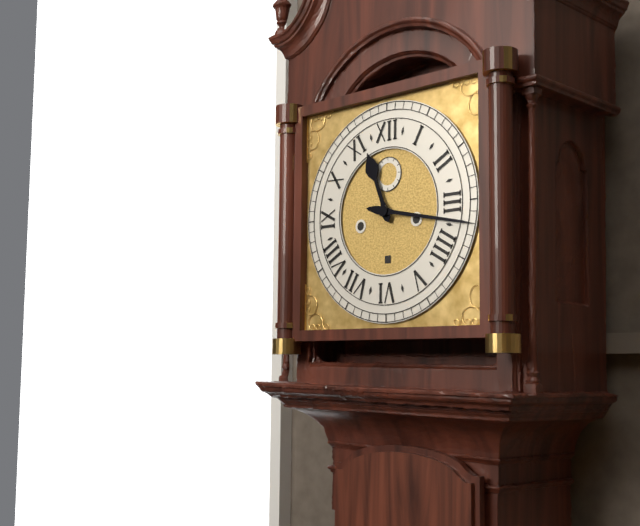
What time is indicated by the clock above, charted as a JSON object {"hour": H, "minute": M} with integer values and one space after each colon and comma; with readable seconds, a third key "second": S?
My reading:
{"hour": 11, "minute": 17}
